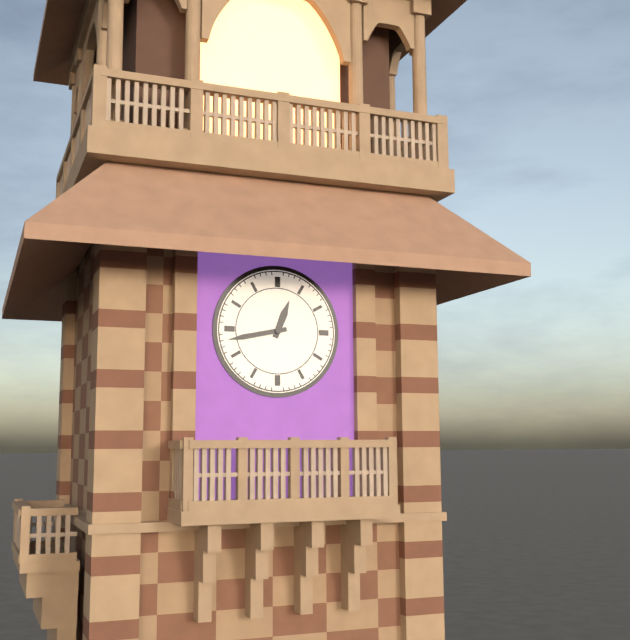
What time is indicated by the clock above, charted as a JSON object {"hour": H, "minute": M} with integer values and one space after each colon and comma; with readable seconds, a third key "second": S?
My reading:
{"hour": 12, "minute": 43}
